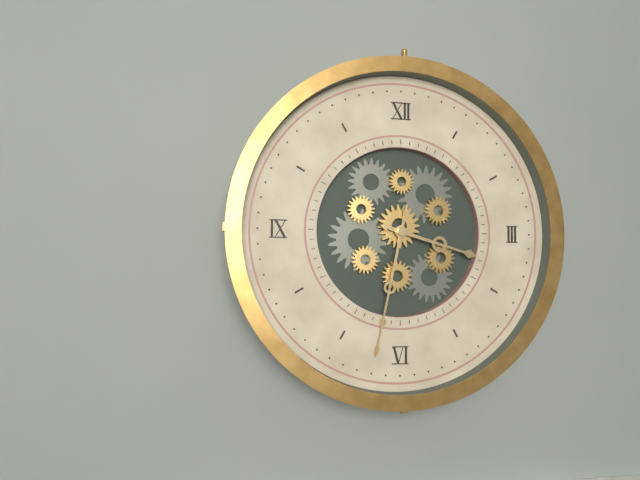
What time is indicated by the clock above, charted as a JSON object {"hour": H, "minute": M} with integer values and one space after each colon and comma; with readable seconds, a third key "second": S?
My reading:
{"hour": 3, "minute": 32}
